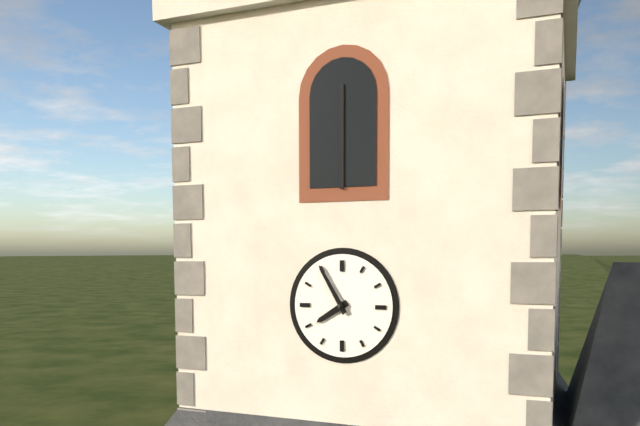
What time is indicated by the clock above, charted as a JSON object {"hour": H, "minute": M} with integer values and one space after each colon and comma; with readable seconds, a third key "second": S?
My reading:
{"hour": 7, "minute": 55}
